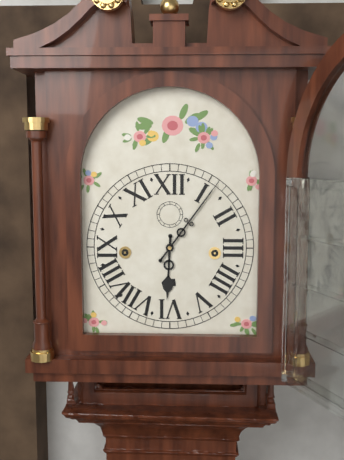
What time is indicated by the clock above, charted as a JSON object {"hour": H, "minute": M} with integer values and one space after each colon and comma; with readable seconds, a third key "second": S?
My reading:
{"hour": 6, "minute": 6}
